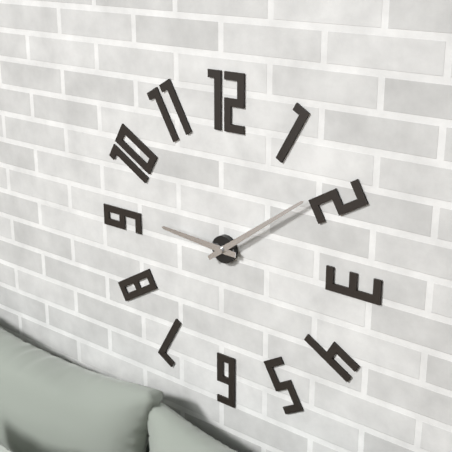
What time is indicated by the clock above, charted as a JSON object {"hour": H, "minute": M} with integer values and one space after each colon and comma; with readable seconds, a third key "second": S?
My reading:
{"hour": 9, "minute": 9}
